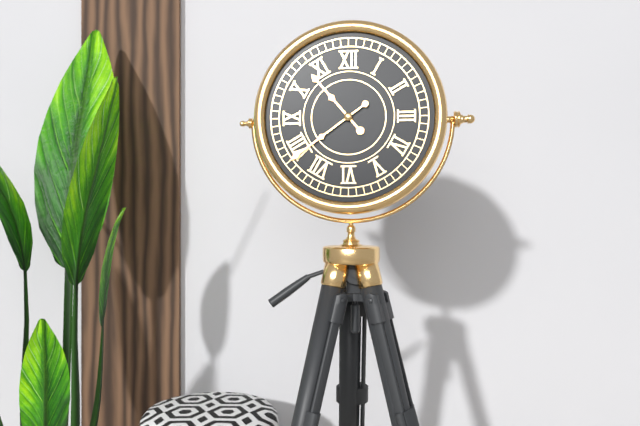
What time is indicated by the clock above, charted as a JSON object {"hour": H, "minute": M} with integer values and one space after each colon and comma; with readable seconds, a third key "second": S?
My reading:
{"hour": 10, "minute": 39}
